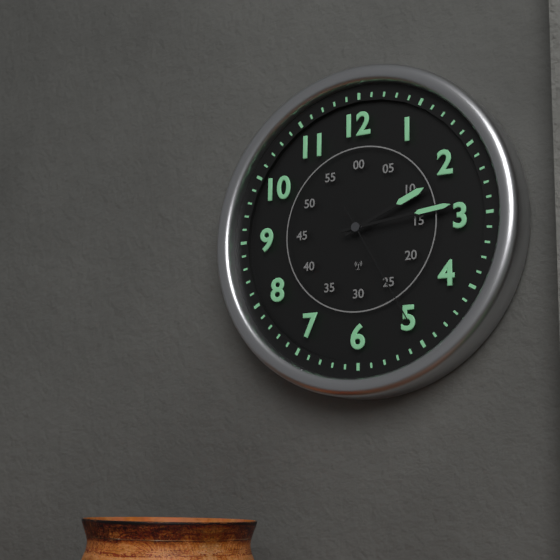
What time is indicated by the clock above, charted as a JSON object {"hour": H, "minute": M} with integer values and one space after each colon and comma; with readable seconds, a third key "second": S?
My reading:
{"hour": 2, "minute": 14, "second": 25}
